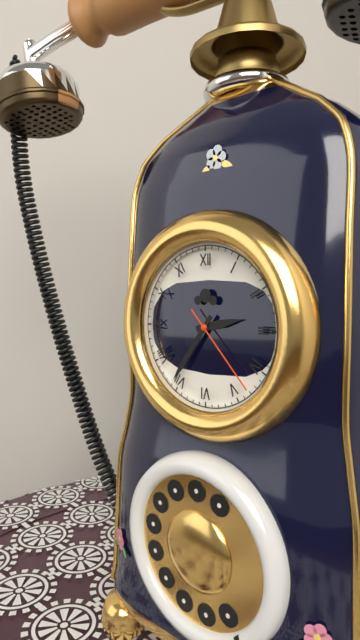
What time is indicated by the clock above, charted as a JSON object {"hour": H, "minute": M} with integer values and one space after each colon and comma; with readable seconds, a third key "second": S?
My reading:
{"hour": 2, "minute": 36, "second": 23}
